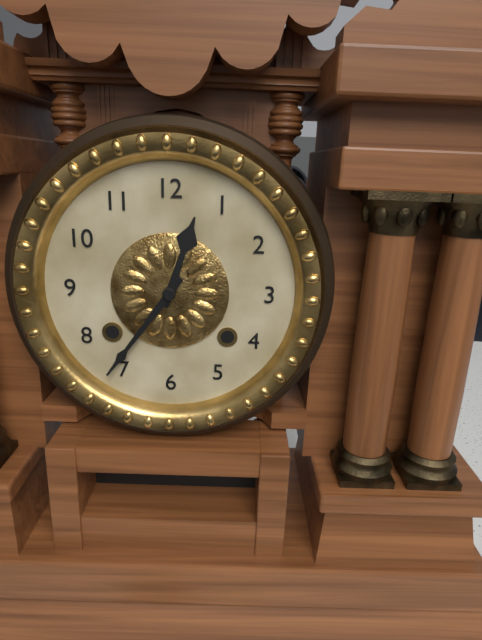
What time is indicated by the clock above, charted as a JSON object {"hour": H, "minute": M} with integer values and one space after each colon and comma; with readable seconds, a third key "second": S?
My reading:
{"hour": 12, "minute": 36}
